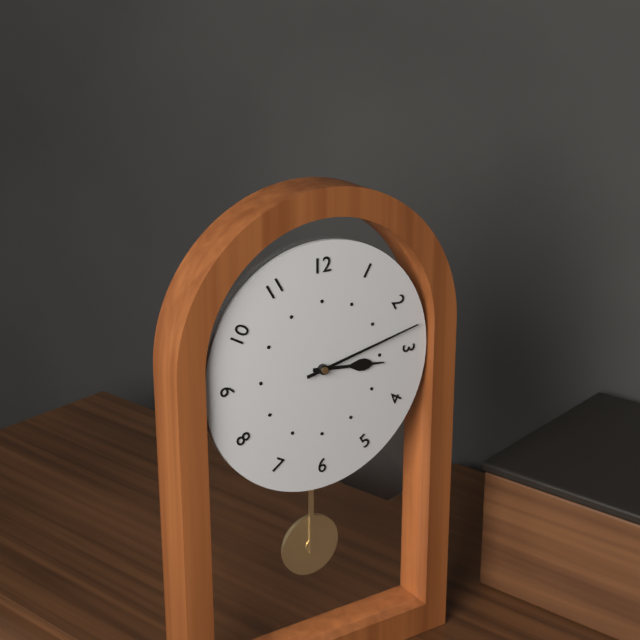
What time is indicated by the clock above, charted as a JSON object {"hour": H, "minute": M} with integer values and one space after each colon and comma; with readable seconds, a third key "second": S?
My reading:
{"hour": 3, "minute": 13}
